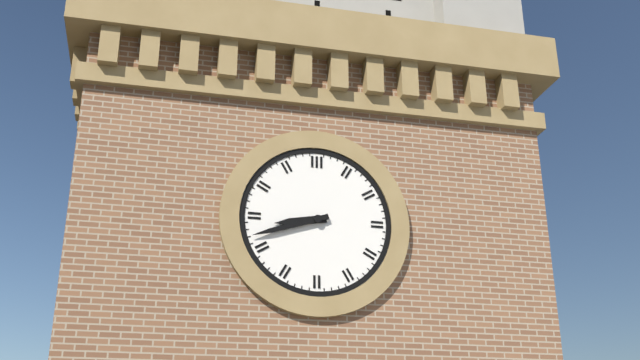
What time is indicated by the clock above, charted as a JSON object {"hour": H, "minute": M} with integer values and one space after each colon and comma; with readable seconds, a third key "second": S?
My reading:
{"hour": 8, "minute": 42}
